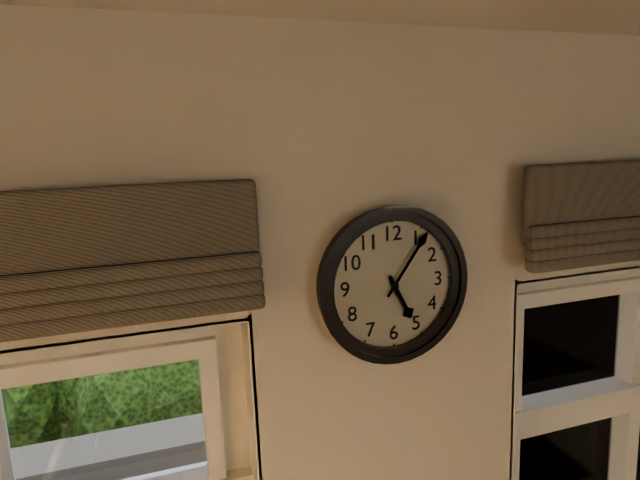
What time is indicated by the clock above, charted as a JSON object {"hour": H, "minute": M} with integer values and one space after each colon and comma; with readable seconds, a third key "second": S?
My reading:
{"hour": 5, "minute": 6}
